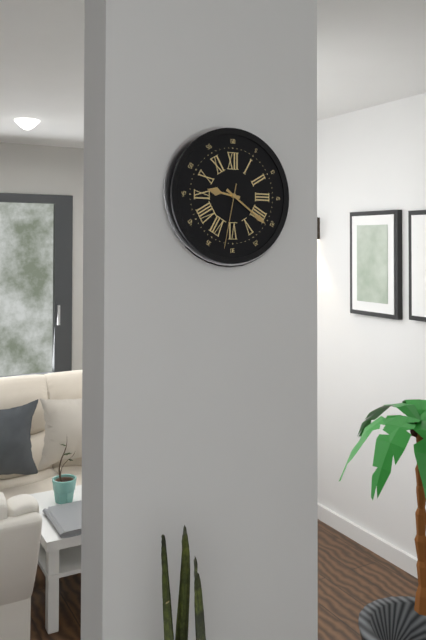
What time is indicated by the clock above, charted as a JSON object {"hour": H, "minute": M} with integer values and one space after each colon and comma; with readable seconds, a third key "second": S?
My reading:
{"hour": 9, "minute": 21, "second": 32}
